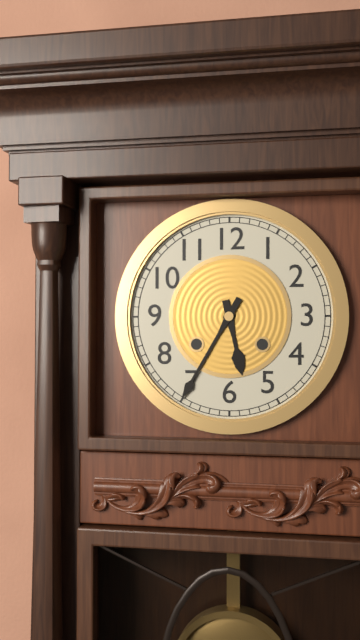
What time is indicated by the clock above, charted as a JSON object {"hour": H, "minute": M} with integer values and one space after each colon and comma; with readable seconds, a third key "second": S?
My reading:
{"hour": 5, "minute": 35}
